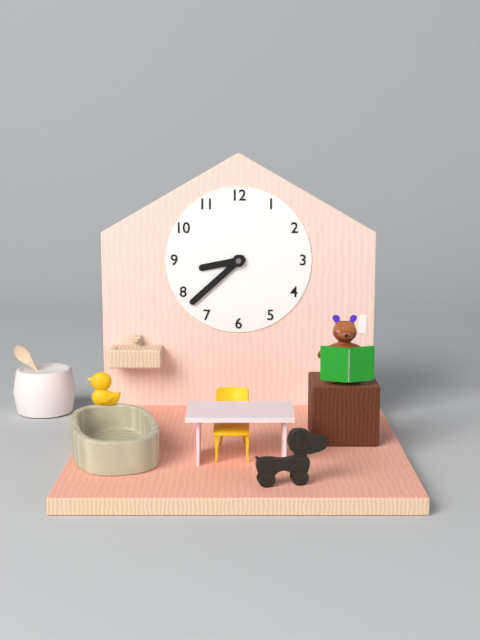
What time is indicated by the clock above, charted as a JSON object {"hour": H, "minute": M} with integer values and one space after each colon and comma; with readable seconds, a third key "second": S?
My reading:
{"hour": 8, "minute": 38}
